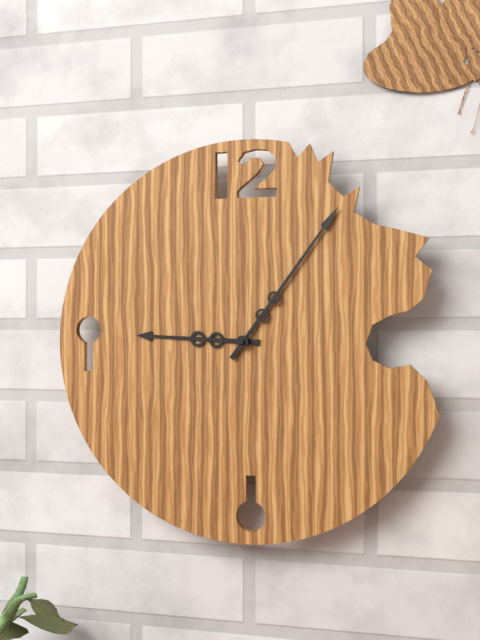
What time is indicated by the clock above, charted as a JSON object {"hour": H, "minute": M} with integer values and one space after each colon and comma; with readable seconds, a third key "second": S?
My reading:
{"hour": 9, "minute": 6}
